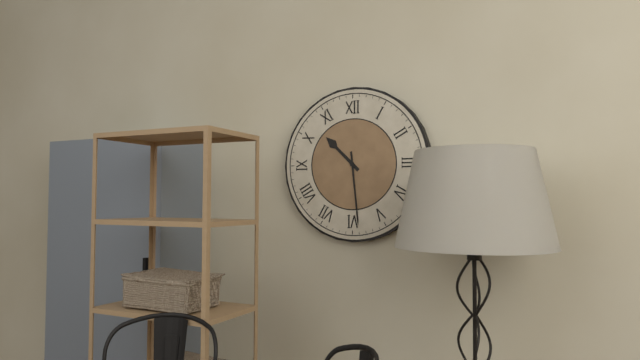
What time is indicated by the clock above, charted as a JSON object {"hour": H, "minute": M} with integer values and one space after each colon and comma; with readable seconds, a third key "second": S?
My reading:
{"hour": 10, "minute": 29}
